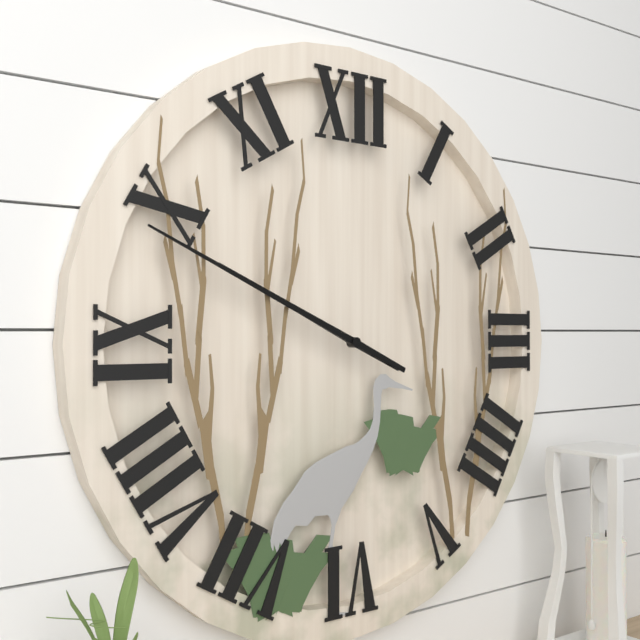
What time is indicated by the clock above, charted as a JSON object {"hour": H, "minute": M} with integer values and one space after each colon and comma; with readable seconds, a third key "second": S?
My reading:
{"hour": 9, "minute": 49}
